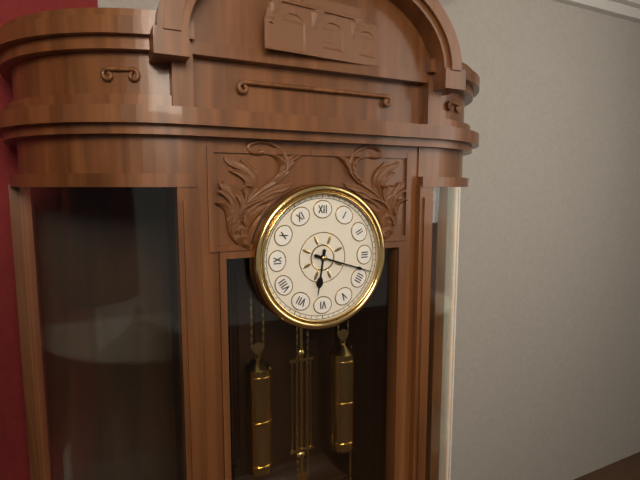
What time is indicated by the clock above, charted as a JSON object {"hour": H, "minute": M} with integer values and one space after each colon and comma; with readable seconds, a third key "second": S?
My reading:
{"hour": 6, "minute": 18}
